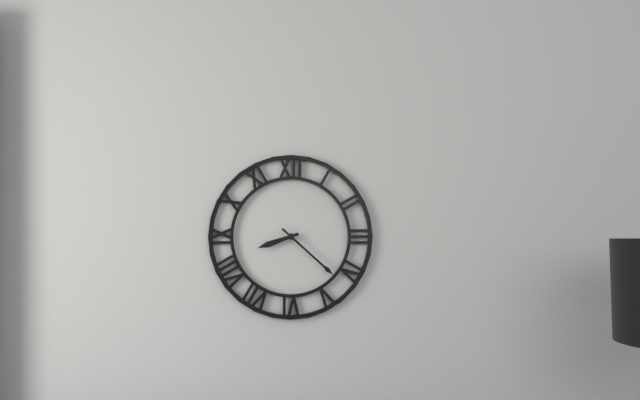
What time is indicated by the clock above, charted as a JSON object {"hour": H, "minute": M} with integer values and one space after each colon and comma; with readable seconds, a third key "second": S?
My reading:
{"hour": 8, "minute": 22}
